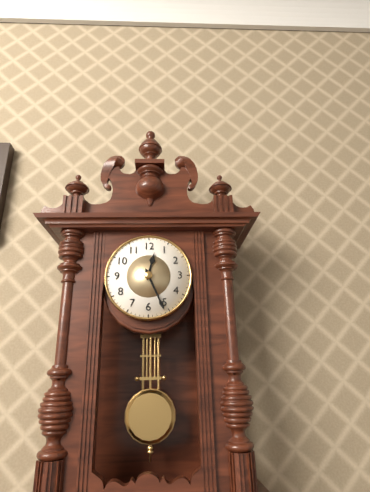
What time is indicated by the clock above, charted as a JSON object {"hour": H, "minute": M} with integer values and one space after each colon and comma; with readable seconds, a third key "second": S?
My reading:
{"hour": 12, "minute": 26}
